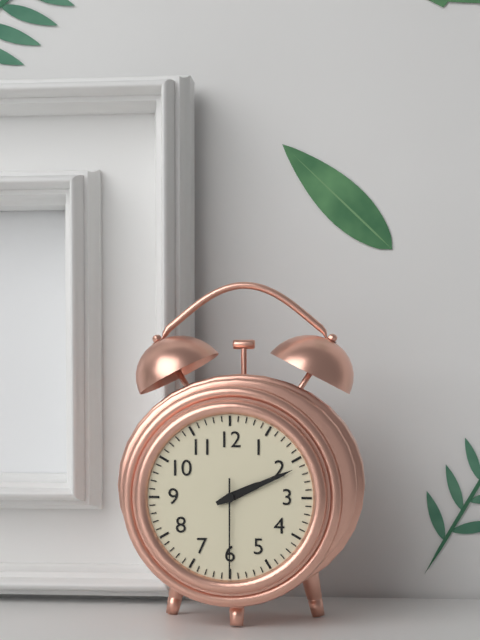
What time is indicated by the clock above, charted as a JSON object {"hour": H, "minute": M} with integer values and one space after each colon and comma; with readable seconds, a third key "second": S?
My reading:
{"hour": 2, "minute": 11, "second": 30}
